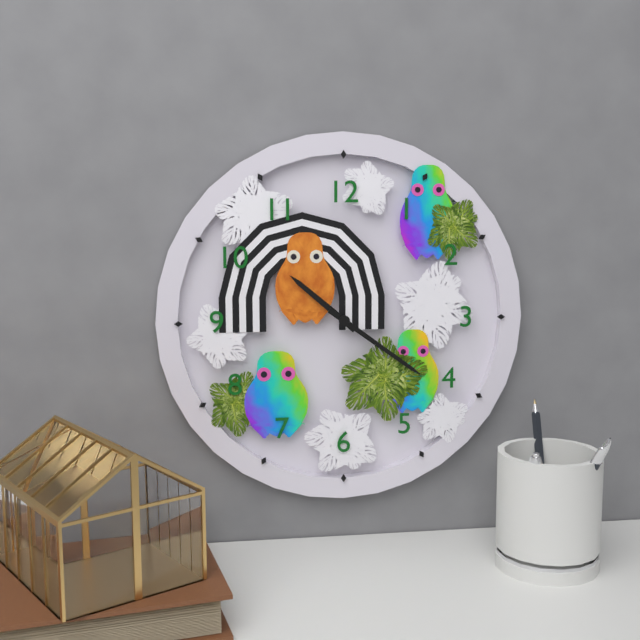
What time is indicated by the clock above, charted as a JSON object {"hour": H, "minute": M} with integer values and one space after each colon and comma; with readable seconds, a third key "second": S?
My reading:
{"hour": 10, "minute": 21}
